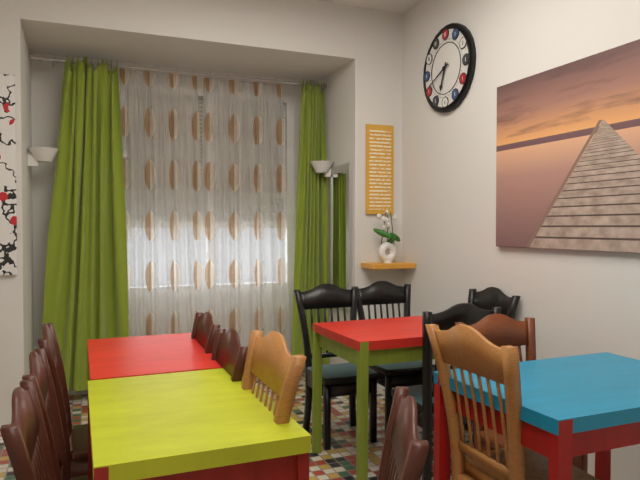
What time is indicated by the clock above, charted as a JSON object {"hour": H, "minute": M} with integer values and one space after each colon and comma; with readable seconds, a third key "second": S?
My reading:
{"hour": 6, "minute": 41}
